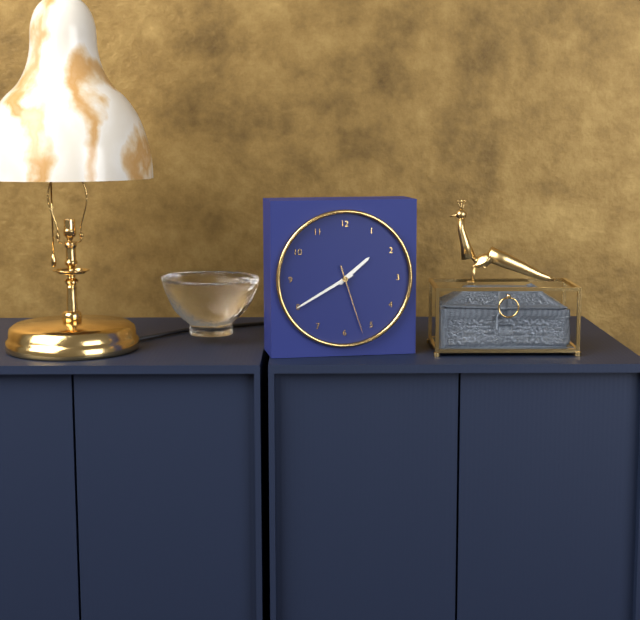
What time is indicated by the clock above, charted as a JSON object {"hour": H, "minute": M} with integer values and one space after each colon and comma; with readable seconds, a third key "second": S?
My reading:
{"hour": 1, "minute": 40, "second": 27}
